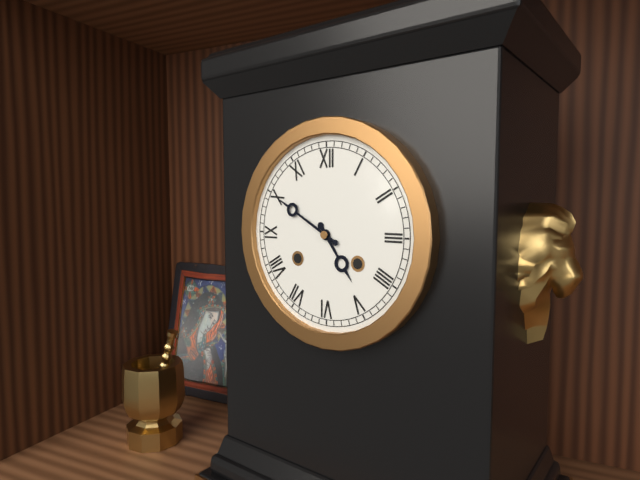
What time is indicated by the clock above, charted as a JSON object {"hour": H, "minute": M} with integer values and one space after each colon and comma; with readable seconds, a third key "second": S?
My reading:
{"hour": 4, "minute": 50}
